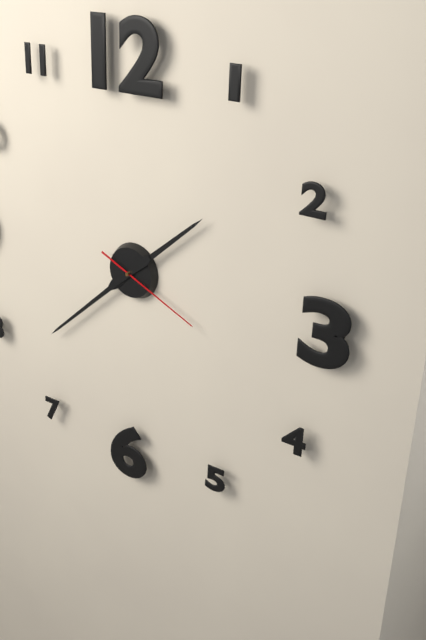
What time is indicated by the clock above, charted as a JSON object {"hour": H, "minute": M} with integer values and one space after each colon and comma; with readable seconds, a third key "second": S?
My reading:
{"hour": 1, "minute": 38, "second": 19}
